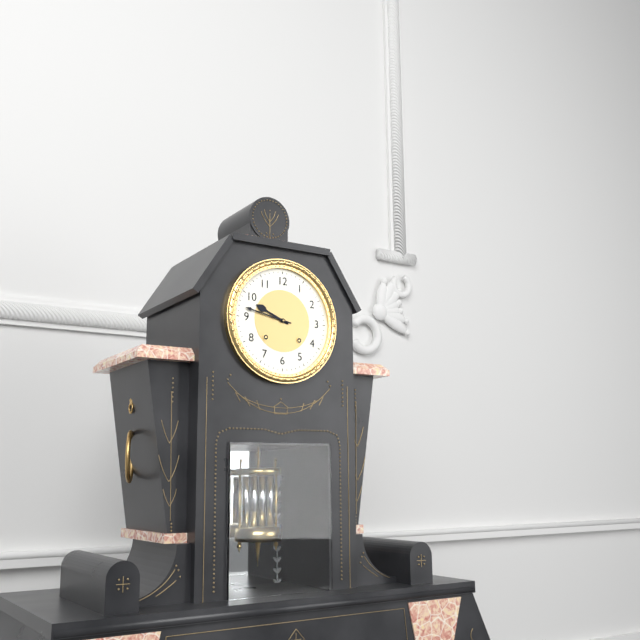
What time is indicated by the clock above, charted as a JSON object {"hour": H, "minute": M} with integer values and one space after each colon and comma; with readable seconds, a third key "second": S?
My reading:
{"hour": 9, "minute": 47}
